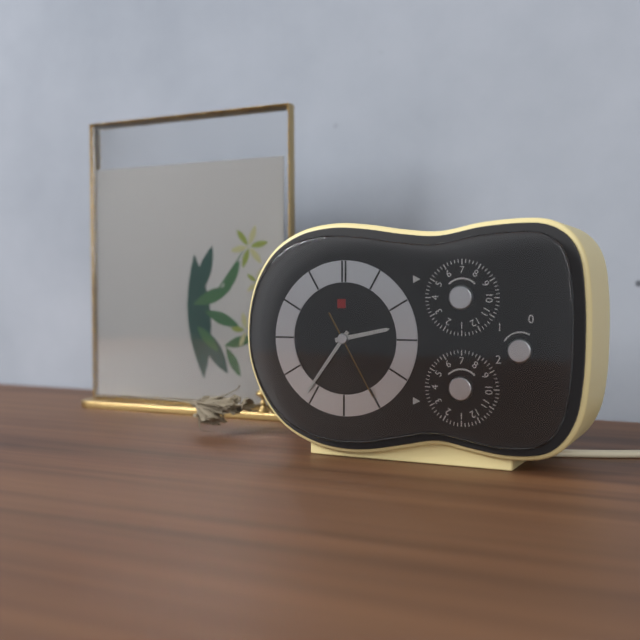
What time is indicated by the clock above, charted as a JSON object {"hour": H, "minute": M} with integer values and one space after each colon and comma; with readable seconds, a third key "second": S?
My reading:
{"hour": 2, "minute": 36, "second": 25}
